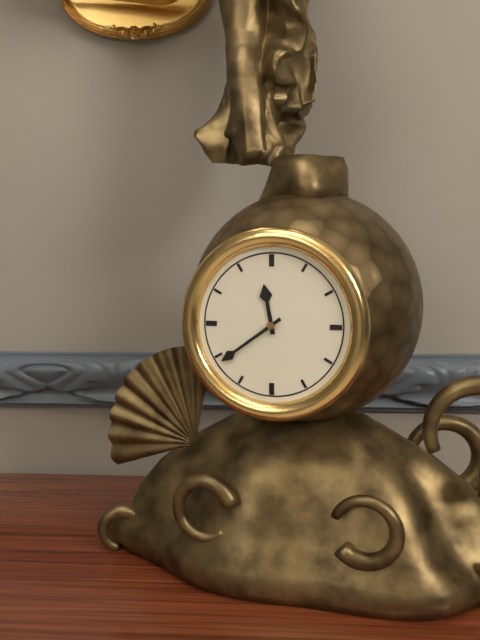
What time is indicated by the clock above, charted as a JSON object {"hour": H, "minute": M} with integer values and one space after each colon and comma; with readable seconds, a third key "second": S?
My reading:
{"hour": 11, "minute": 39}
